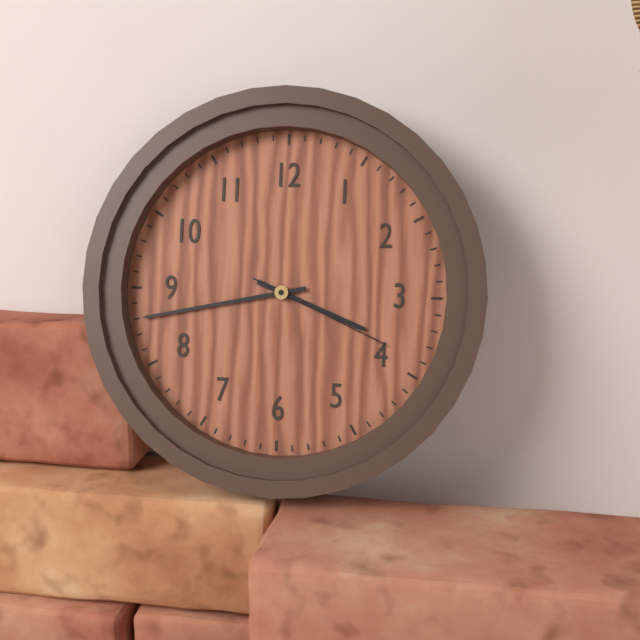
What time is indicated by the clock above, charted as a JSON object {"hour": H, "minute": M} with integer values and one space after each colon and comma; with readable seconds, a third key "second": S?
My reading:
{"hour": 3, "minute": 43, "second": 19}
